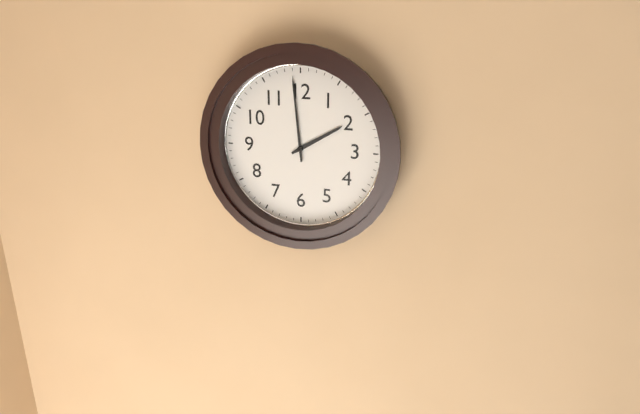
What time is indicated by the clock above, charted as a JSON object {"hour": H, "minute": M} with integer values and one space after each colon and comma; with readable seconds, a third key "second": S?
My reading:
{"hour": 1, "minute": 59}
